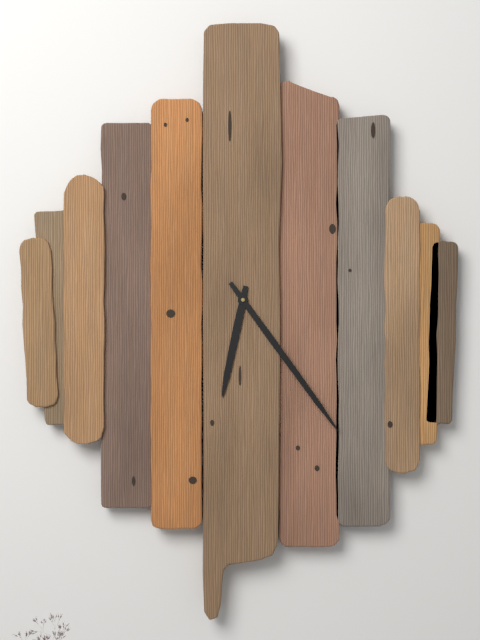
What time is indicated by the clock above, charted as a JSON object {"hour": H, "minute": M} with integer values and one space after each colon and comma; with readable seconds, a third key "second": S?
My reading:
{"hour": 6, "minute": 24}
